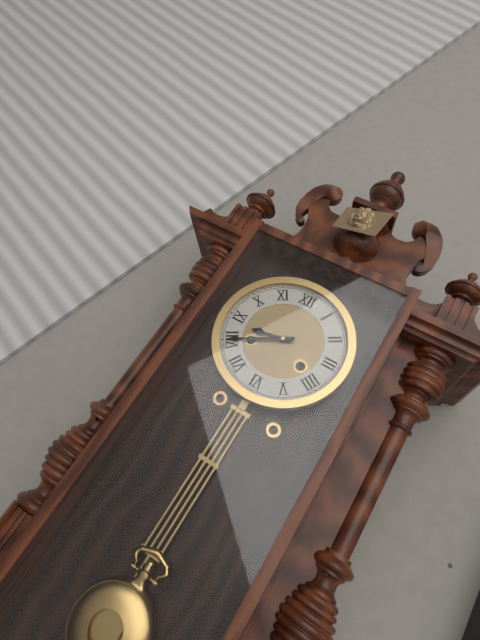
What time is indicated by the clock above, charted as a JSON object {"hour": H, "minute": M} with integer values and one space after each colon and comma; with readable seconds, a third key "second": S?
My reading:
{"hour": 8, "minute": 40}
